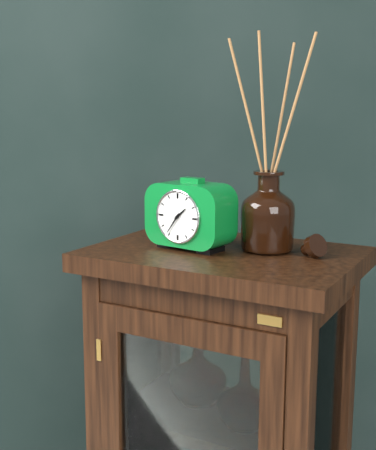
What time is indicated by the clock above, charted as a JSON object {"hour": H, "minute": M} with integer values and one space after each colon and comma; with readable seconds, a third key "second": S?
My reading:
{"hour": 1, "minute": 36}
